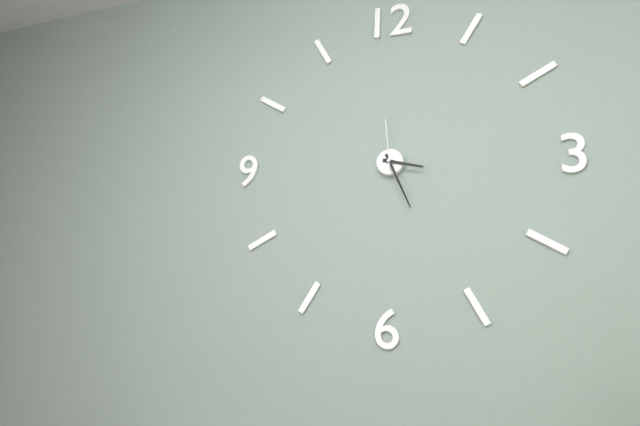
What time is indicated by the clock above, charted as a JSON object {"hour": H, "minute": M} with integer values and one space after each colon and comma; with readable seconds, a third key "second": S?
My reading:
{"hour": 3, "minute": 26, "second": 59}
